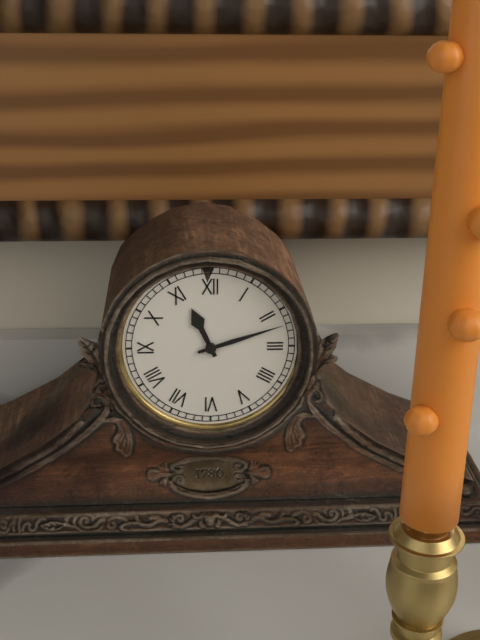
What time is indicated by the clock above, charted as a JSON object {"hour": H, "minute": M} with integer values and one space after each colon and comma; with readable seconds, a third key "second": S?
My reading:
{"hour": 11, "minute": 12}
